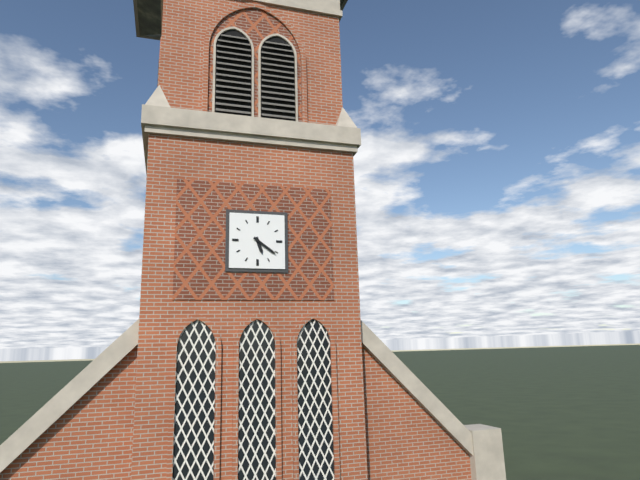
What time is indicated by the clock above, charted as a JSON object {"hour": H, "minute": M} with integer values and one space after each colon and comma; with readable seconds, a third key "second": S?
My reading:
{"hour": 5, "minute": 21}
